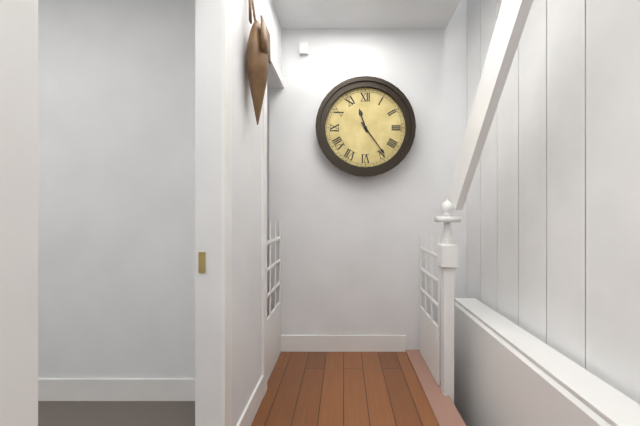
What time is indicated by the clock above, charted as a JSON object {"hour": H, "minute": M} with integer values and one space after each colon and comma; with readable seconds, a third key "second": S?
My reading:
{"hour": 11, "minute": 24}
